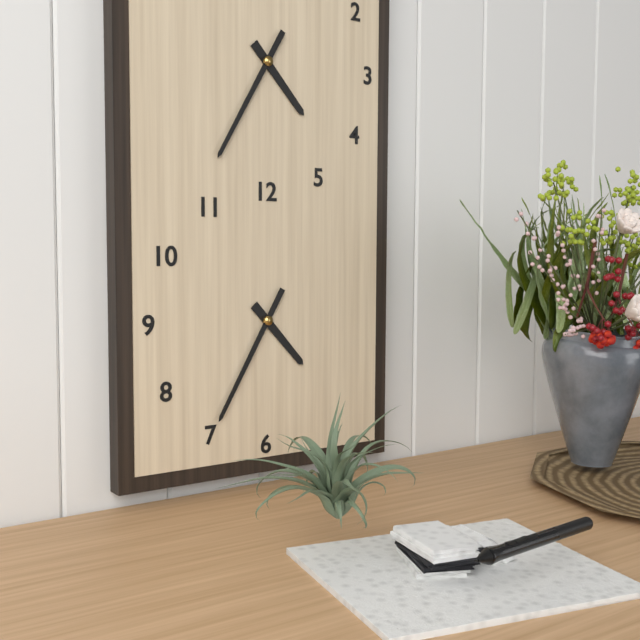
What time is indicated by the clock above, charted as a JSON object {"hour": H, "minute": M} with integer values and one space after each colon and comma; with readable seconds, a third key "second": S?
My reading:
{"hour": 4, "minute": 35}
